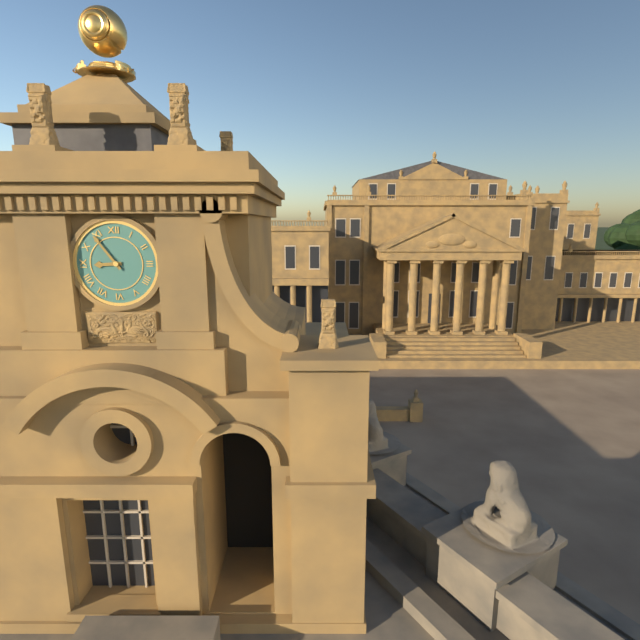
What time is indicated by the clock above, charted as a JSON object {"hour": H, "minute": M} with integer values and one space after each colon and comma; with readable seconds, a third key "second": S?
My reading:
{"hour": 8, "minute": 54}
